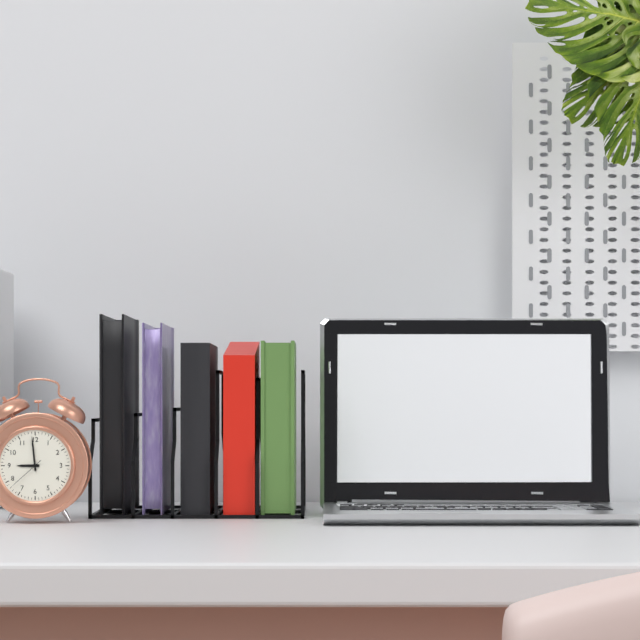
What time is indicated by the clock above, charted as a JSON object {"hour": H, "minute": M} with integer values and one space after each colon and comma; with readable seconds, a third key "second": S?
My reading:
{"hour": 8, "minute": 59}
